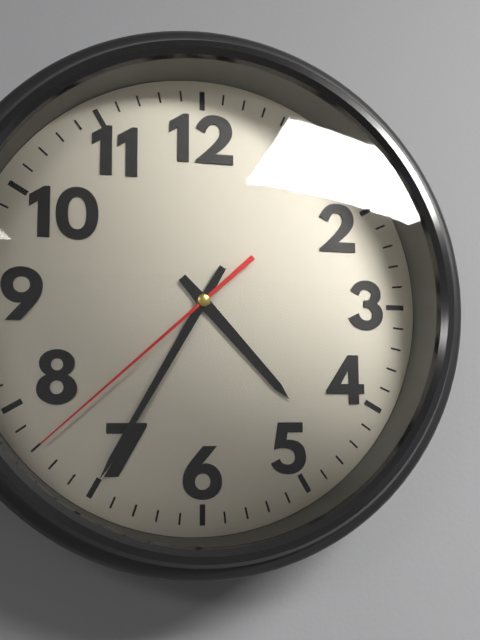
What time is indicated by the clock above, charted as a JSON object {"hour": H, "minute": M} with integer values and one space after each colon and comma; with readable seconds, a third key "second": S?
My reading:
{"hour": 4, "minute": 35, "second": 38}
